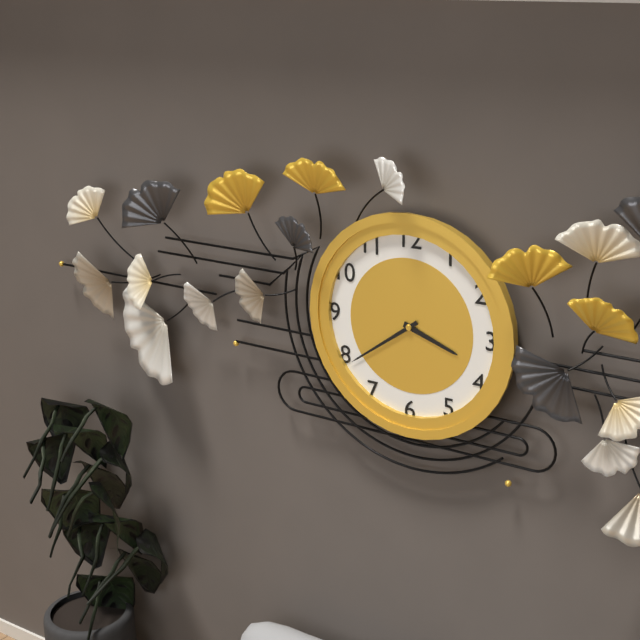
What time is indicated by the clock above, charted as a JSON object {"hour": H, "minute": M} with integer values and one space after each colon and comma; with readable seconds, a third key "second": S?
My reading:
{"hour": 3, "minute": 39}
